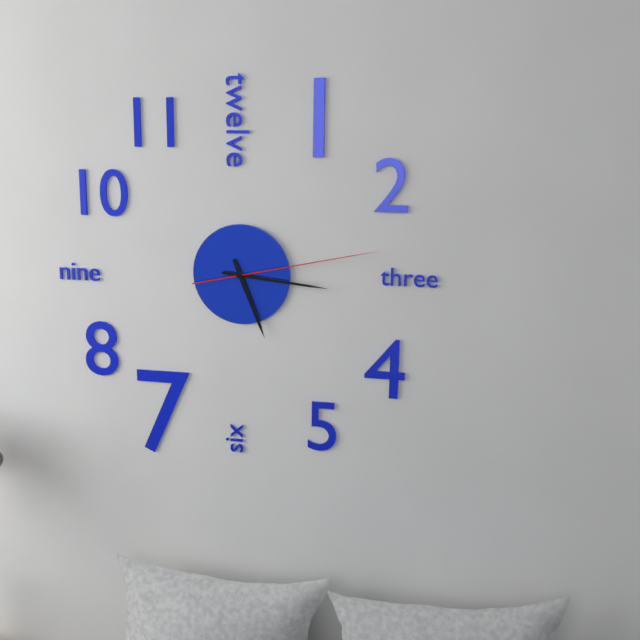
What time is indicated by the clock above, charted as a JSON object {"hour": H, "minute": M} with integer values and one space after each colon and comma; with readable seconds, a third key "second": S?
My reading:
{"hour": 5, "minute": 16, "second": 13}
